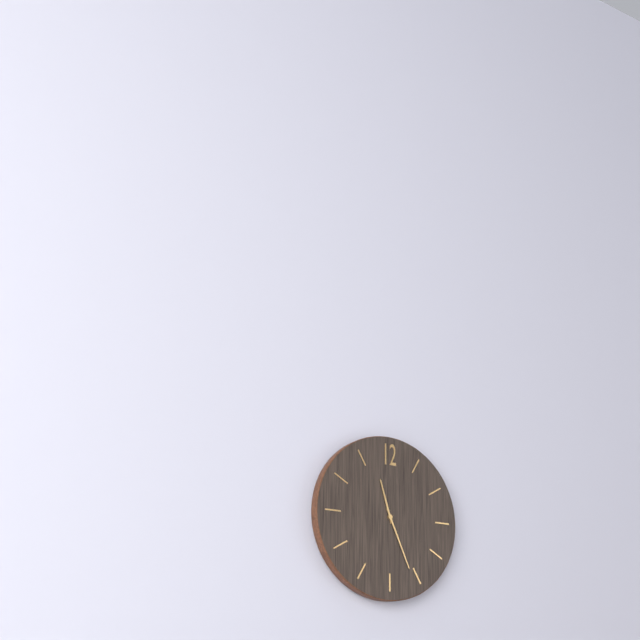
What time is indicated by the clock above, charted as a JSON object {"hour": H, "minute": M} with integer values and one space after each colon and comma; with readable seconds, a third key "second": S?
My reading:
{"hour": 11, "minute": 26}
